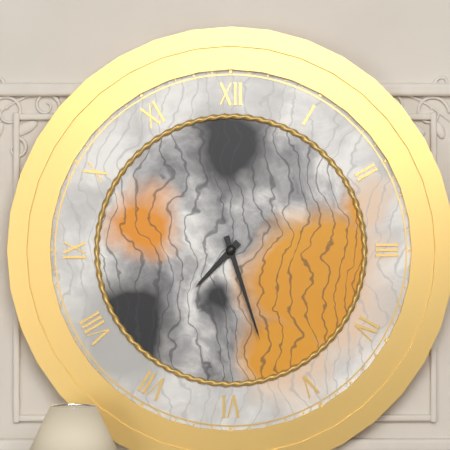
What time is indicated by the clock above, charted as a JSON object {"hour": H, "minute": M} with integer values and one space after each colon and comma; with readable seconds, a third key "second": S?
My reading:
{"hour": 7, "minute": 27}
